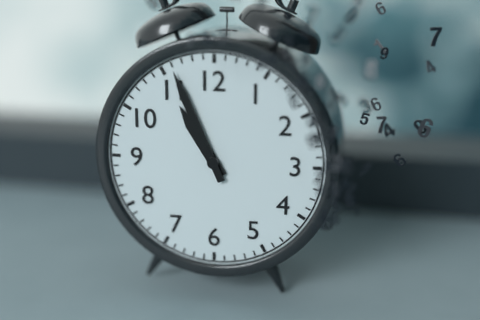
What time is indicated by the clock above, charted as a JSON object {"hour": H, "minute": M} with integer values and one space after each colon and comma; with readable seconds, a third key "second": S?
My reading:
{"hour": 10, "minute": 56}
